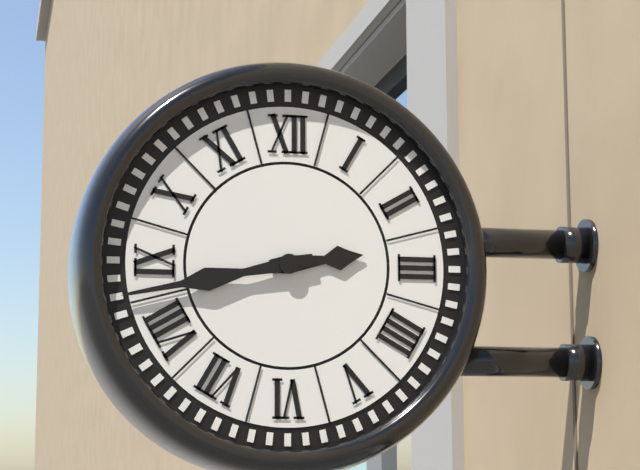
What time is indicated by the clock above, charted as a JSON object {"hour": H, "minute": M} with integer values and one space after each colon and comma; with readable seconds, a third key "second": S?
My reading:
{"hour": 2, "minute": 43}
